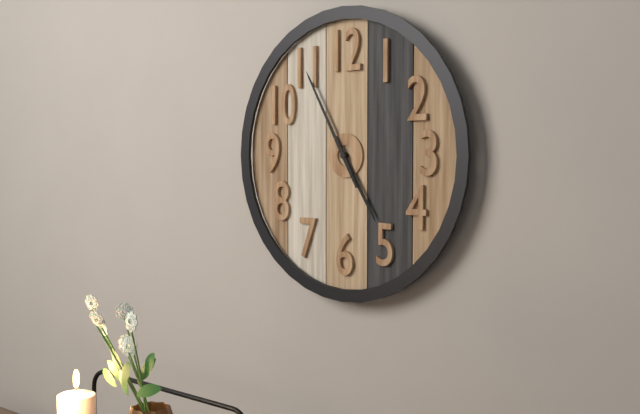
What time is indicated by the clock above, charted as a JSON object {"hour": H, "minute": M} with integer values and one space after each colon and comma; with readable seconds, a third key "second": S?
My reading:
{"hour": 4, "minute": 55}
